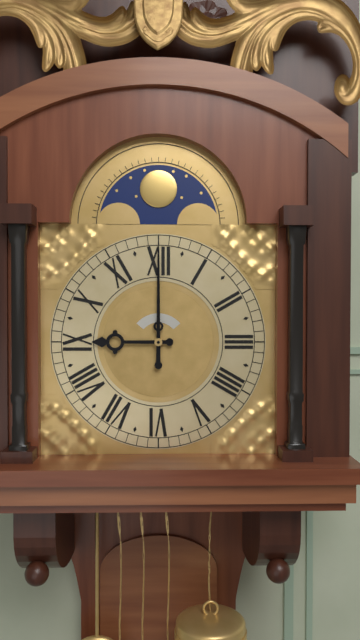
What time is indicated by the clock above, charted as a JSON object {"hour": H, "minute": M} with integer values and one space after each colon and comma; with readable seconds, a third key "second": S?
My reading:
{"hour": 9, "minute": 0}
